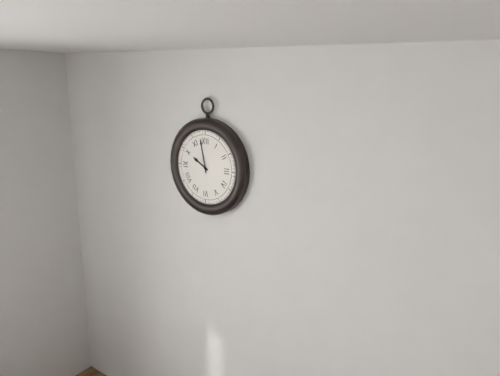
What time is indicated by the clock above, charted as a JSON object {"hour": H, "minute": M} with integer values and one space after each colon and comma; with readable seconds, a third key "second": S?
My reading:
{"hour": 9, "minute": 58}
